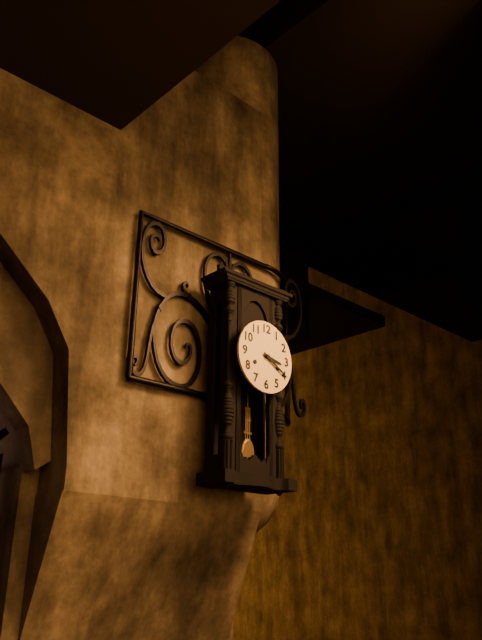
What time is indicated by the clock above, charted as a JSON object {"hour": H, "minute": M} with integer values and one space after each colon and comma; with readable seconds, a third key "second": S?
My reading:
{"hour": 3, "minute": 20}
